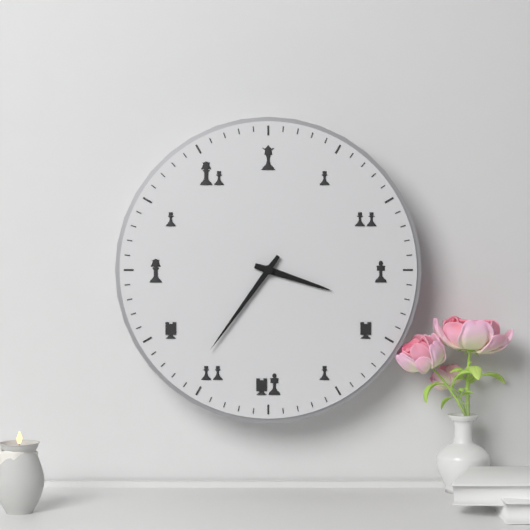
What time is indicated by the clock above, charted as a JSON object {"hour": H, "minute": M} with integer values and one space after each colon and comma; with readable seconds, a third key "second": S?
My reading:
{"hour": 3, "minute": 36}
